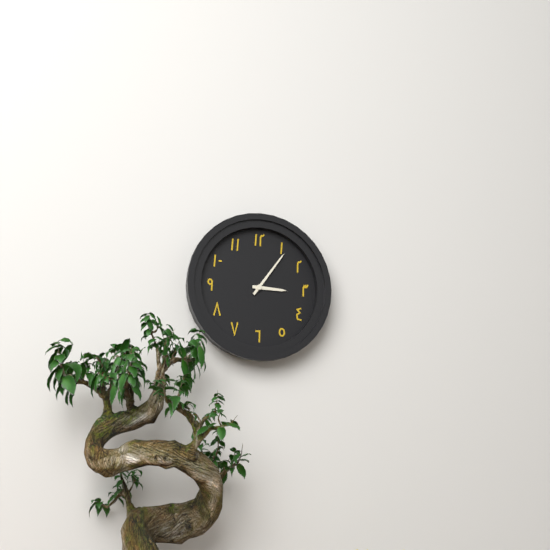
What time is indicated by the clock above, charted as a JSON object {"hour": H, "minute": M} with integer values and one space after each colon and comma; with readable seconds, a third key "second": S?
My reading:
{"hour": 3, "minute": 6}
